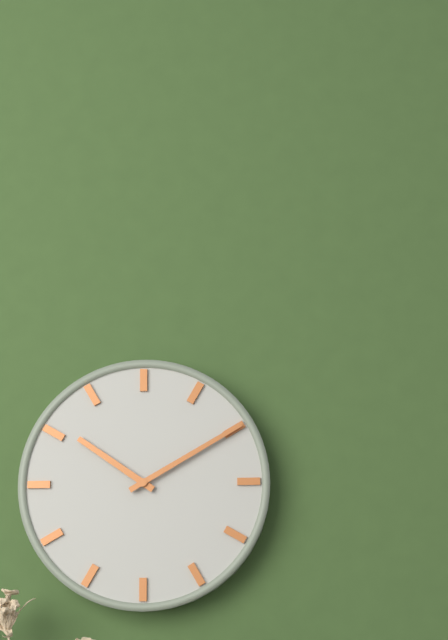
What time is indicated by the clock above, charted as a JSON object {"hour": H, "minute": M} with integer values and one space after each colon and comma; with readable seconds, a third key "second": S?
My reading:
{"hour": 10, "minute": 10}
